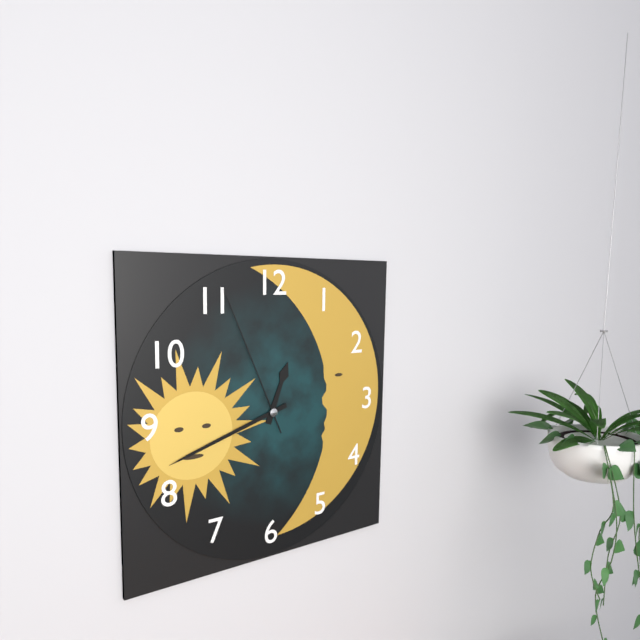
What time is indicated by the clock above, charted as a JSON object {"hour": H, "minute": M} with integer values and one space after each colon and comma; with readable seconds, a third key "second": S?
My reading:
{"hour": 12, "minute": 42, "second": 56}
